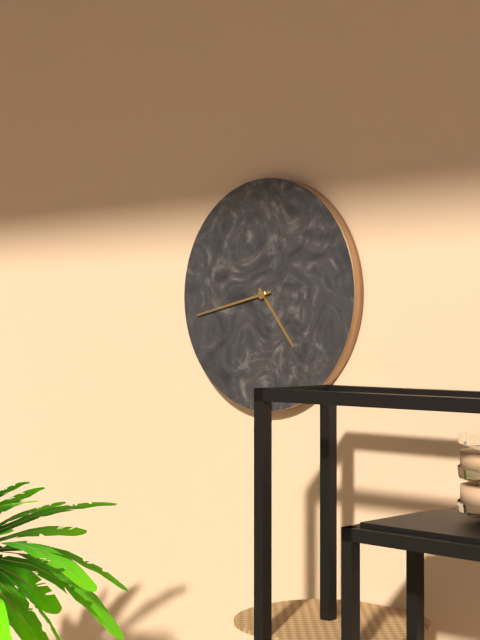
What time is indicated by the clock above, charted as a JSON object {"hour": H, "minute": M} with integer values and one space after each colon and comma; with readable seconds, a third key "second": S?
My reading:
{"hour": 4, "minute": 43}
